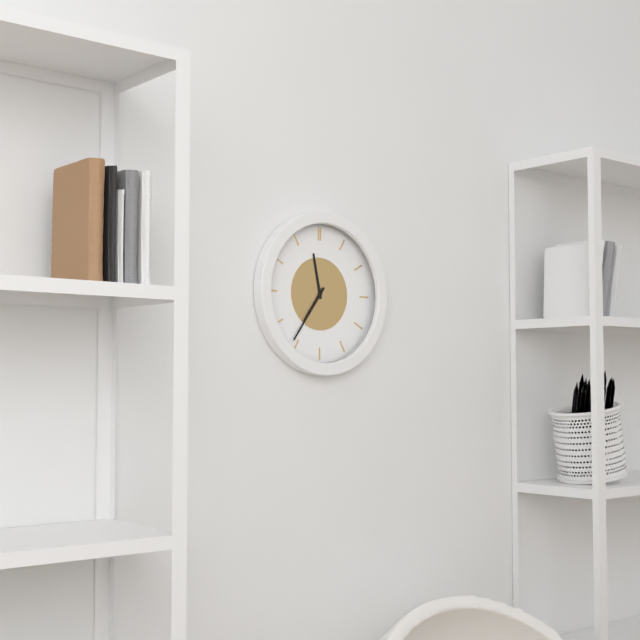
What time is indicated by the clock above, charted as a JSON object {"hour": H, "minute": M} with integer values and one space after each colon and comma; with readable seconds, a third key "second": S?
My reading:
{"hour": 11, "minute": 36}
